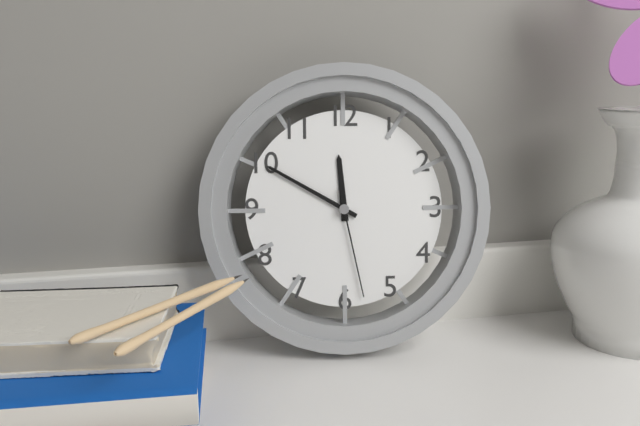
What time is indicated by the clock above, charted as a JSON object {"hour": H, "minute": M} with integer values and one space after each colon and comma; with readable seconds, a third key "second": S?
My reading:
{"hour": 11, "minute": 50, "second": 28}
